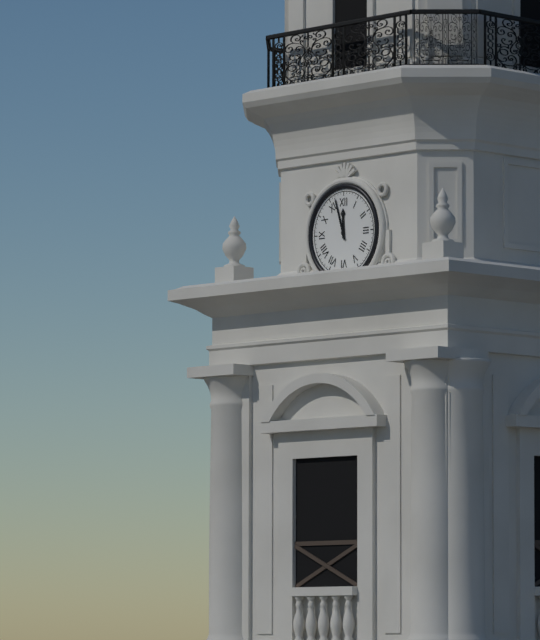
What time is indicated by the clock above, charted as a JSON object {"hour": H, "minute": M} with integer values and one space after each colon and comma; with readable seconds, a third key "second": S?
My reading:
{"hour": 11, "minute": 57}
